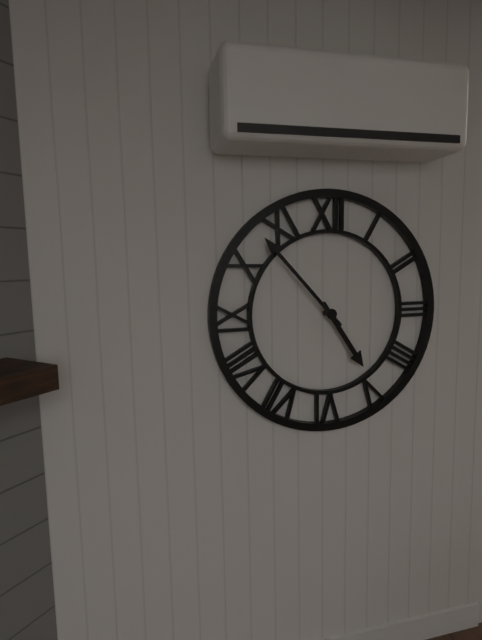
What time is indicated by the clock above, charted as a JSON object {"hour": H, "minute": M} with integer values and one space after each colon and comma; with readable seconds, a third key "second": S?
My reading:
{"hour": 4, "minute": 53}
